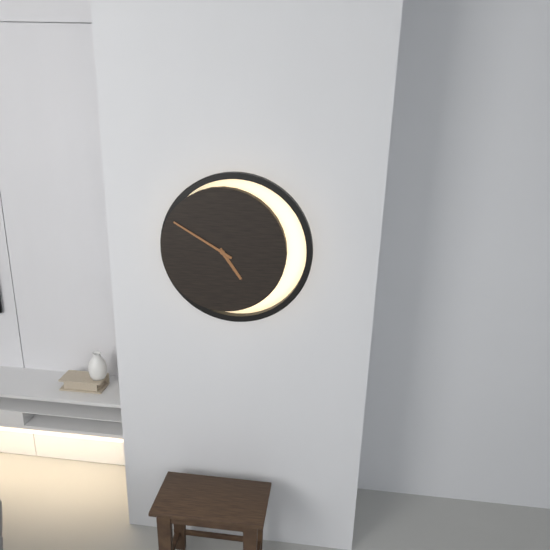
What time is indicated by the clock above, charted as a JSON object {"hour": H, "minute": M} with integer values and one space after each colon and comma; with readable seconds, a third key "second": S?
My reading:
{"hour": 4, "minute": 50}
